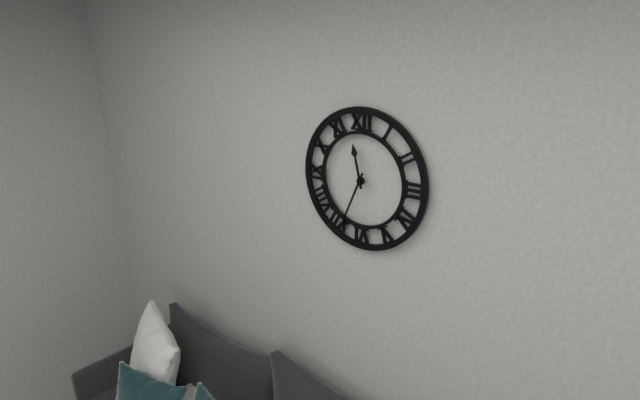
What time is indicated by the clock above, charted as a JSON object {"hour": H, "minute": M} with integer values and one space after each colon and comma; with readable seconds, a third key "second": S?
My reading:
{"hour": 11, "minute": 34}
